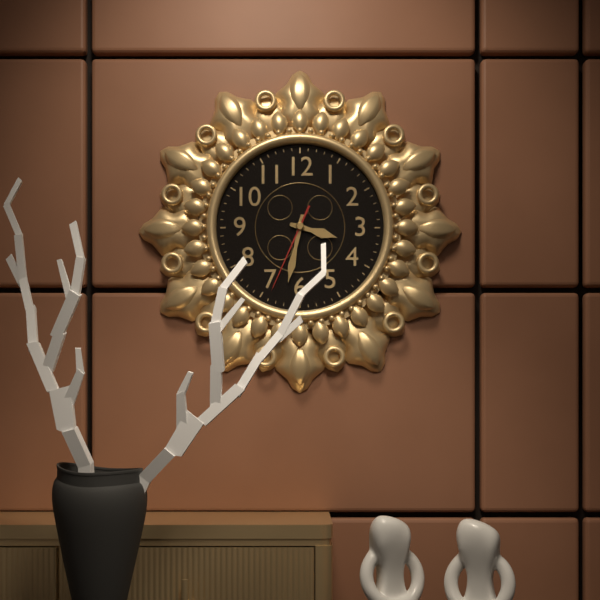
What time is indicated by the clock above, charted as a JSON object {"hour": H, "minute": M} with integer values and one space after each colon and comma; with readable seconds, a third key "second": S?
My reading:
{"hour": 3, "minute": 32, "second": 34}
